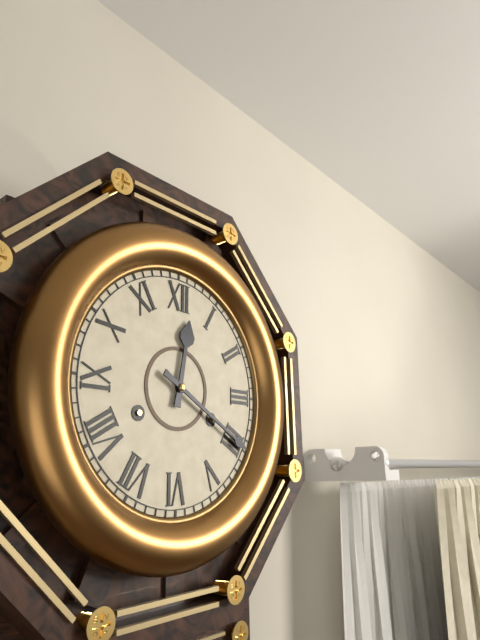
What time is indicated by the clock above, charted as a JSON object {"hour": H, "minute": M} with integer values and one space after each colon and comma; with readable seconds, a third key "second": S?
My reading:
{"hour": 12, "minute": 20}
